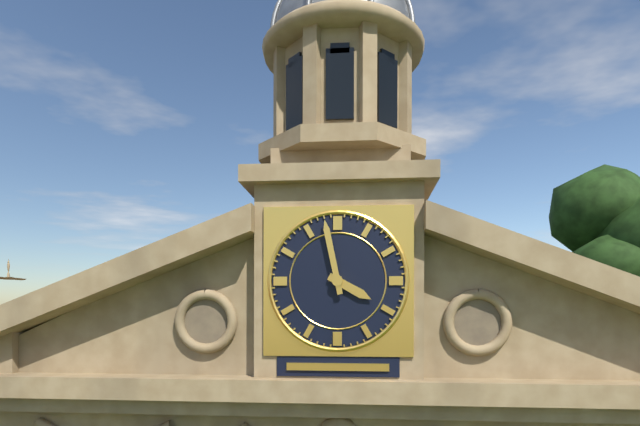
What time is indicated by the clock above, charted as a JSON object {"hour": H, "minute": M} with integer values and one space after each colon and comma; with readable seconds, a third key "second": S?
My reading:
{"hour": 3, "minute": 58}
